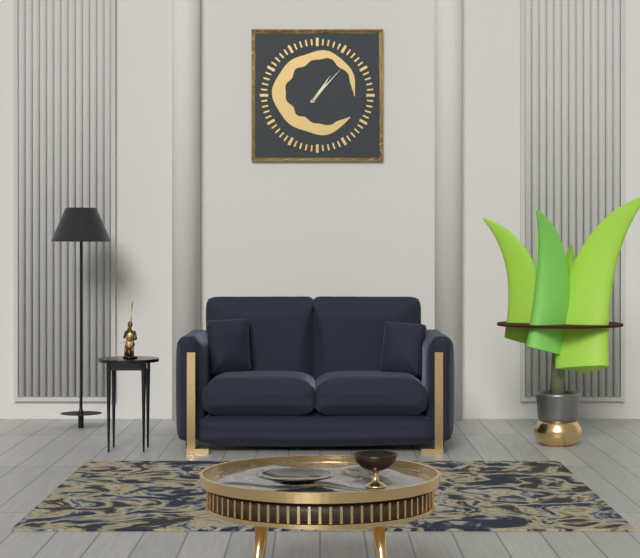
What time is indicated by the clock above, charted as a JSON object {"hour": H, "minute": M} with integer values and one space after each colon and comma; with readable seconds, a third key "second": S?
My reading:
{"hour": 1, "minute": 7}
